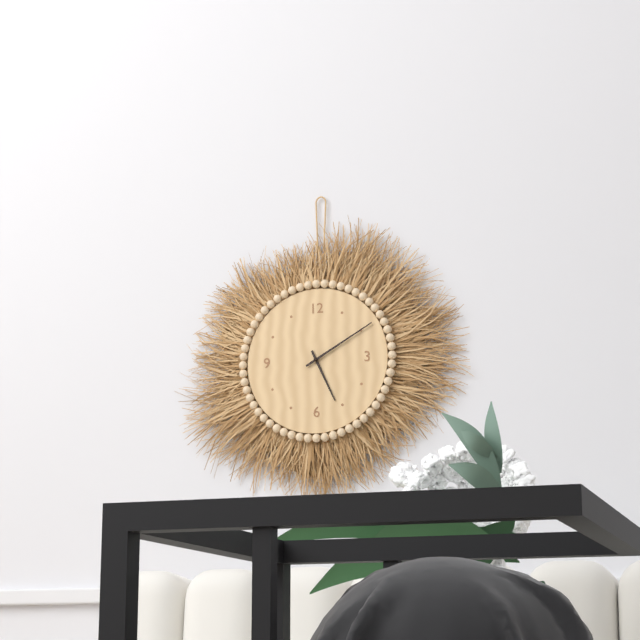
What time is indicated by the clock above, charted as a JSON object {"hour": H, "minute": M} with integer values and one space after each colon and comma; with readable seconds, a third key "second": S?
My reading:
{"hour": 5, "minute": 10}
